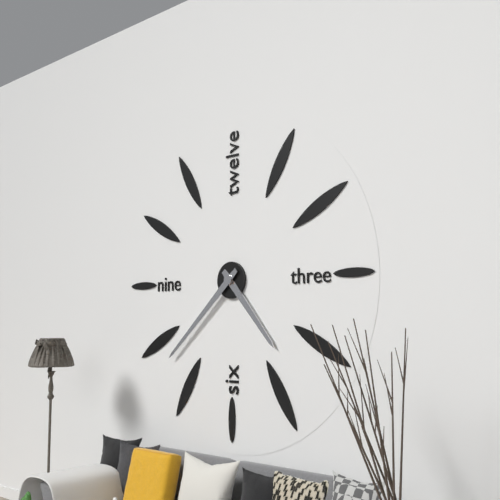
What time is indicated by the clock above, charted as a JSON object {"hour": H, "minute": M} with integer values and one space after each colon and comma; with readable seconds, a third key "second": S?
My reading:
{"hour": 4, "minute": 38}
